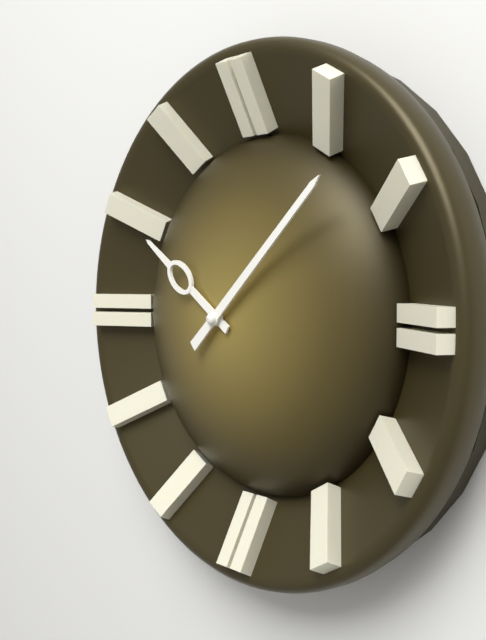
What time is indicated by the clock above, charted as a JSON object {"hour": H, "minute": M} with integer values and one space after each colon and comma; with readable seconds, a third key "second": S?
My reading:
{"hour": 10, "minute": 8}
